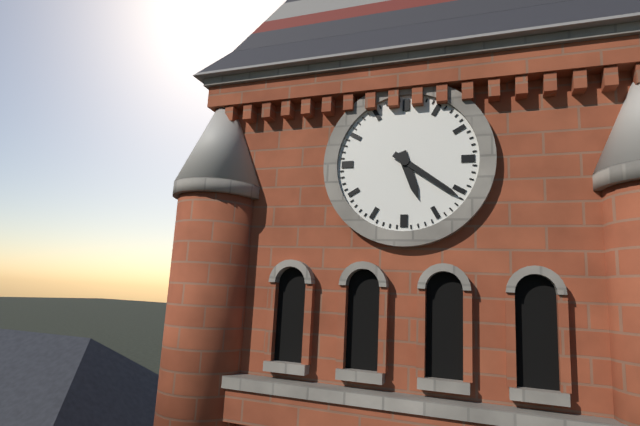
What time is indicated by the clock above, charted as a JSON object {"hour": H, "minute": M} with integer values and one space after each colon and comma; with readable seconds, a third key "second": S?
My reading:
{"hour": 5, "minute": 21}
